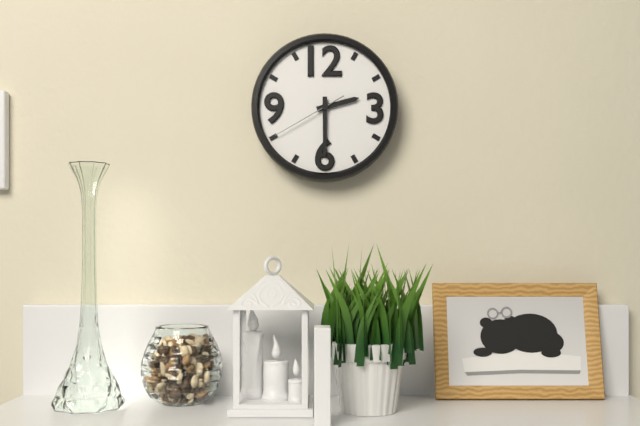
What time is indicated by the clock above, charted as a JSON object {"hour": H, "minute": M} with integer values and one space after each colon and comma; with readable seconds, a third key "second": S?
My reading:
{"hour": 2, "minute": 30, "second": 40}
